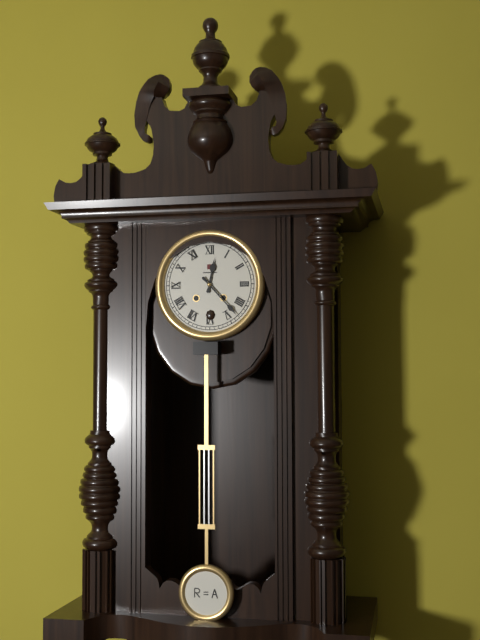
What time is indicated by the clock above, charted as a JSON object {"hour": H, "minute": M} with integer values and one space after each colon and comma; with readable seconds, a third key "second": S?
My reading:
{"hour": 12, "minute": 23}
